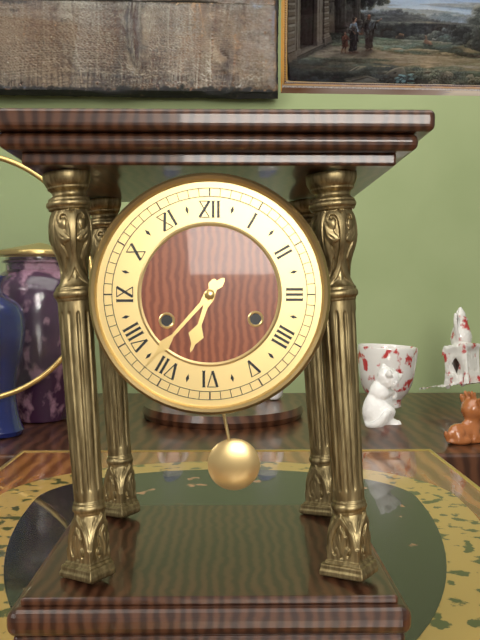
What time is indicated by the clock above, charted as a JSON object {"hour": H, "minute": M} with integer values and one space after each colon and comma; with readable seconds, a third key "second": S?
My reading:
{"hour": 6, "minute": 37}
